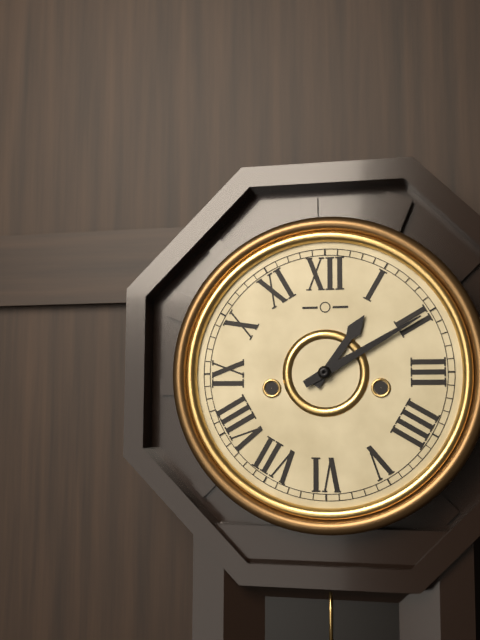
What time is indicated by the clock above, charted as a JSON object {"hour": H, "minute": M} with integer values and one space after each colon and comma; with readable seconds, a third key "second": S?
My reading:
{"hour": 1, "minute": 10}
